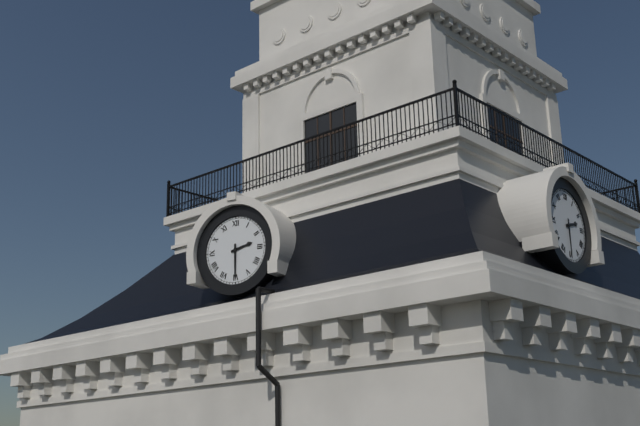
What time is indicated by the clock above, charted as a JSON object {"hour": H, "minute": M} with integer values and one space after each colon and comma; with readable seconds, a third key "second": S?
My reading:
{"hour": 2, "minute": 30}
